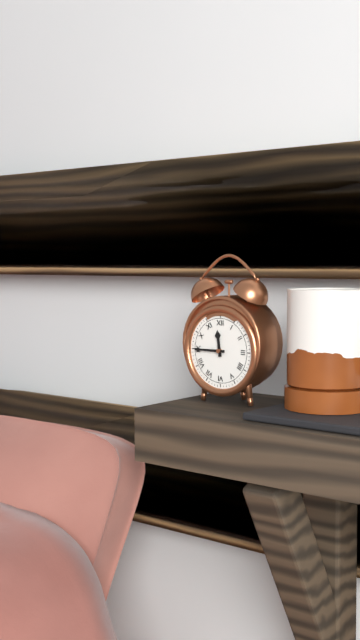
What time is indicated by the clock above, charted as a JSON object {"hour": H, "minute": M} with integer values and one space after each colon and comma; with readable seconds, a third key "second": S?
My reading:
{"hour": 11, "minute": 45}
